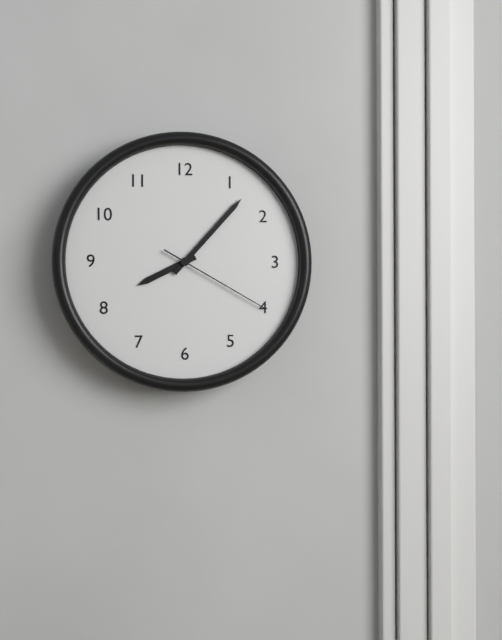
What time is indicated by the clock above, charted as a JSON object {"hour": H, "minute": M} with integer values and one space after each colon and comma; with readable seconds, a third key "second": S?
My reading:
{"hour": 8, "minute": 7, "second": 20}
